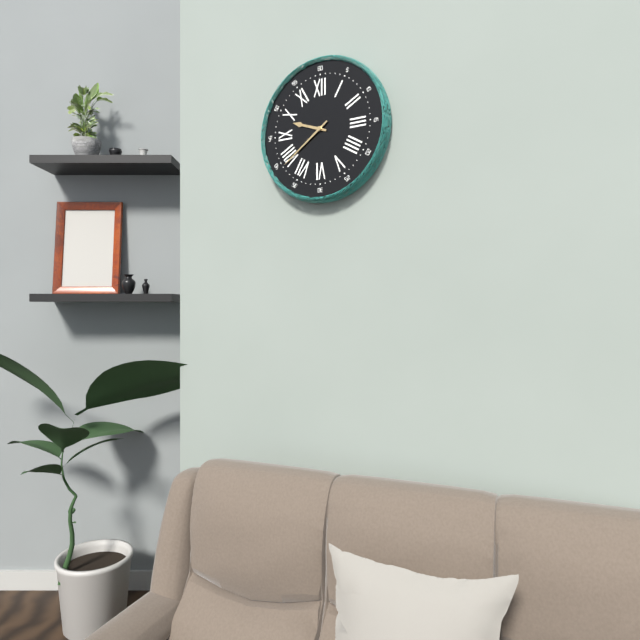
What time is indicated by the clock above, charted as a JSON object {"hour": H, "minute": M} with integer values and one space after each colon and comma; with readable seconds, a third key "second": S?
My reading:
{"hour": 9, "minute": 39}
